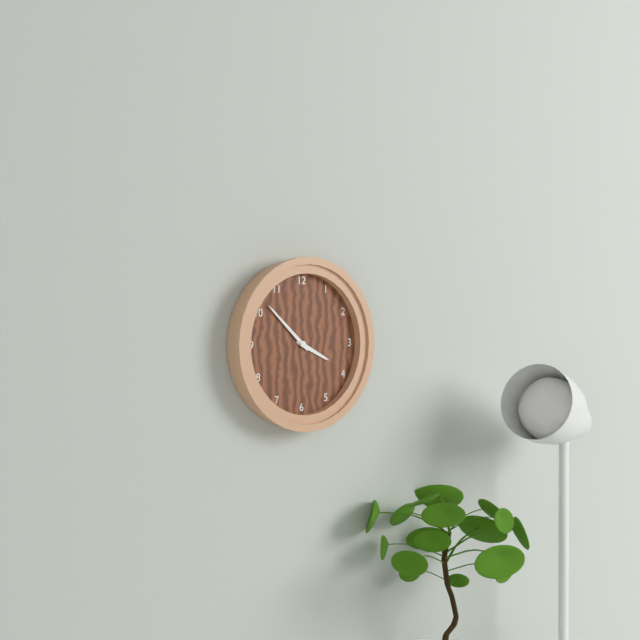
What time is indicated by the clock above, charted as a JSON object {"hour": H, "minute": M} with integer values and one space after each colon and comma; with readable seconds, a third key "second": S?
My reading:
{"hour": 3, "minute": 52}
